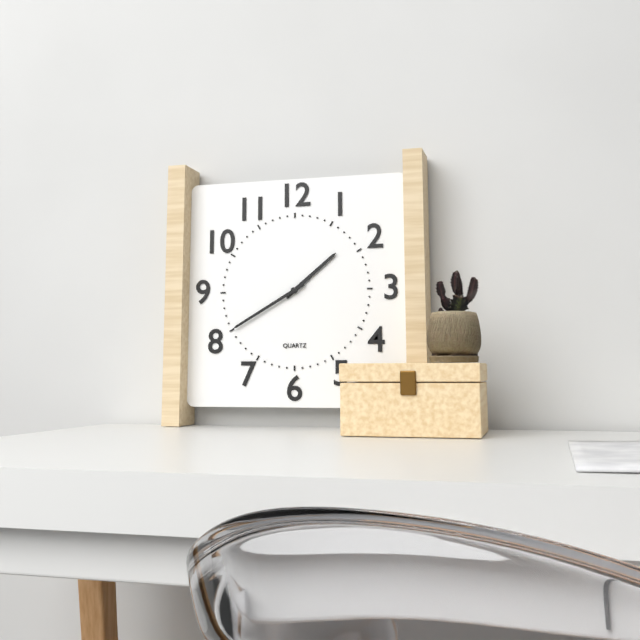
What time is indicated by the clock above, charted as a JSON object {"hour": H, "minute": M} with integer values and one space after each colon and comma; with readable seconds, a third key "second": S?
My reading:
{"hour": 1, "minute": 40}
